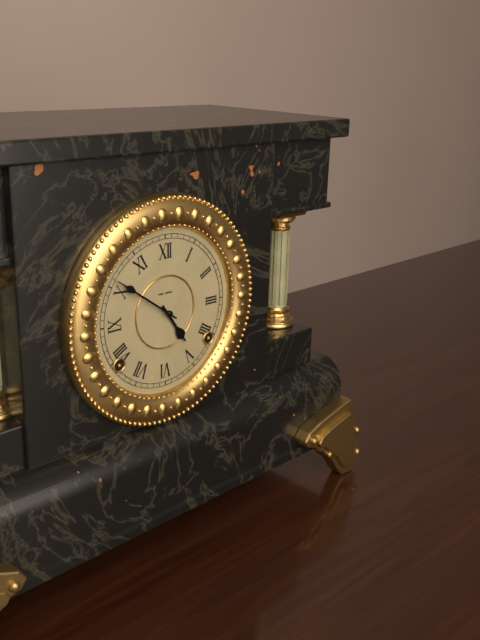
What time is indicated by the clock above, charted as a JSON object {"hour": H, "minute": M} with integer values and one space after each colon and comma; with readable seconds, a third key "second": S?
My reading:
{"hour": 4, "minute": 51}
